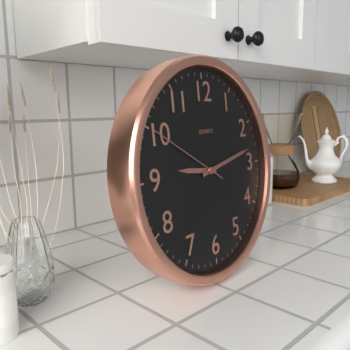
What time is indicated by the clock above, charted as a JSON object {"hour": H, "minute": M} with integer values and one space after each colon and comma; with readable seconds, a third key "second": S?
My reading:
{"hour": 9, "minute": 13, "second": 50}
